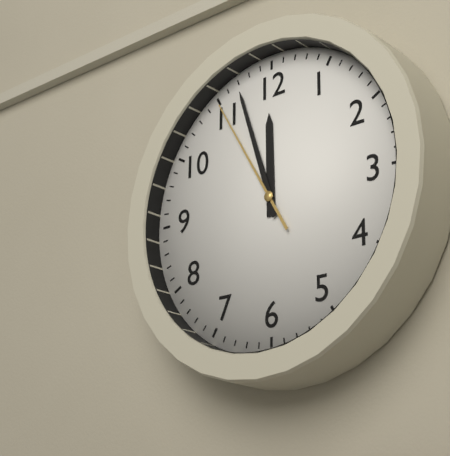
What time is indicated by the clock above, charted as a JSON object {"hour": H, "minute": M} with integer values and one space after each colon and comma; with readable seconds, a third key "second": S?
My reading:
{"hour": 11, "minute": 57, "second": 55}
